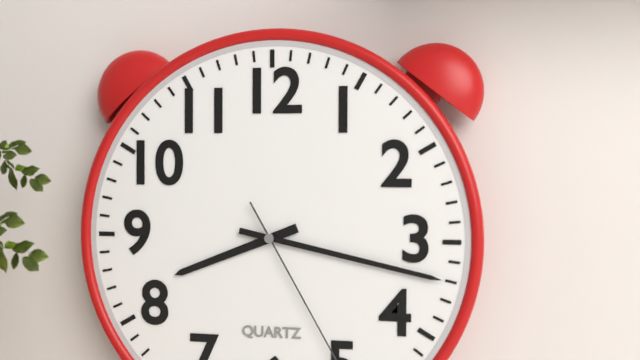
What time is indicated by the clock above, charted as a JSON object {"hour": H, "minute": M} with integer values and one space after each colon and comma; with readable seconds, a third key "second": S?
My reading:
{"hour": 8, "minute": 17}
